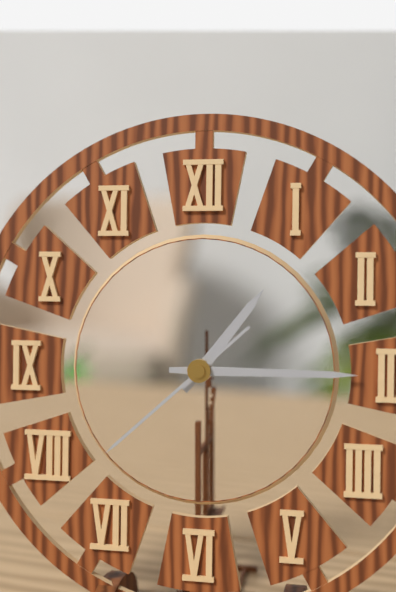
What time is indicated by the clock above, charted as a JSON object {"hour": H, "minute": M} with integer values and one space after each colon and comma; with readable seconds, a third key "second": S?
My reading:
{"hour": 1, "minute": 15, "second": 38}
